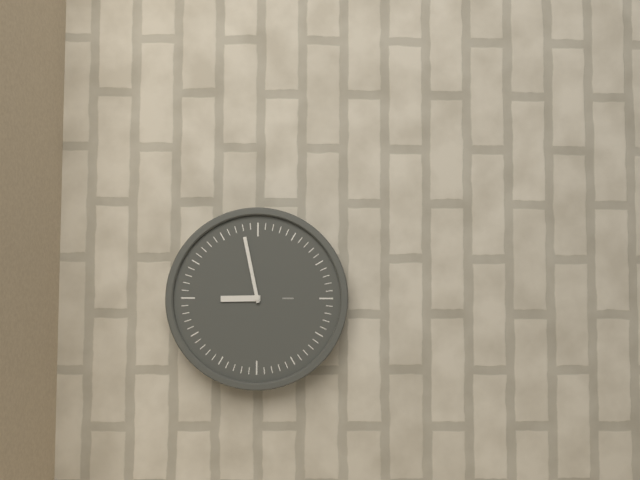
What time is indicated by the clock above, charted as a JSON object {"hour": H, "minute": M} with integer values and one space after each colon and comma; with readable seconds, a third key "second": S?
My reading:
{"hour": 8, "minute": 58}
